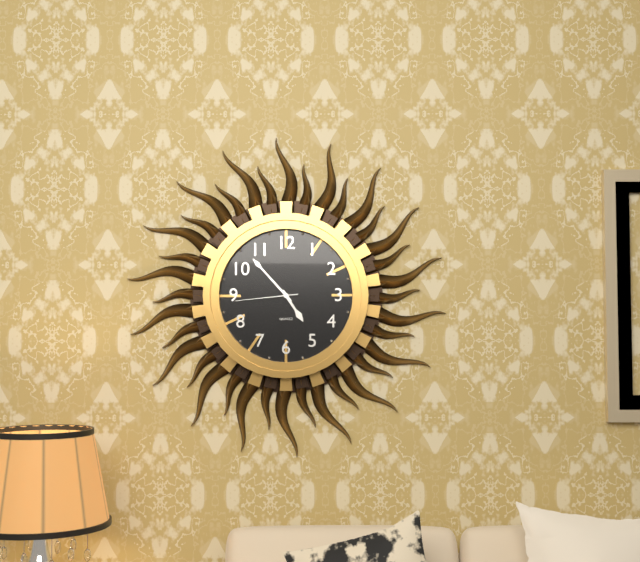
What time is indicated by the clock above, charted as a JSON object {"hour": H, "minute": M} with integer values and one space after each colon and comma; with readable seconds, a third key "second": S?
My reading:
{"hour": 4, "minute": 53, "second": 44}
